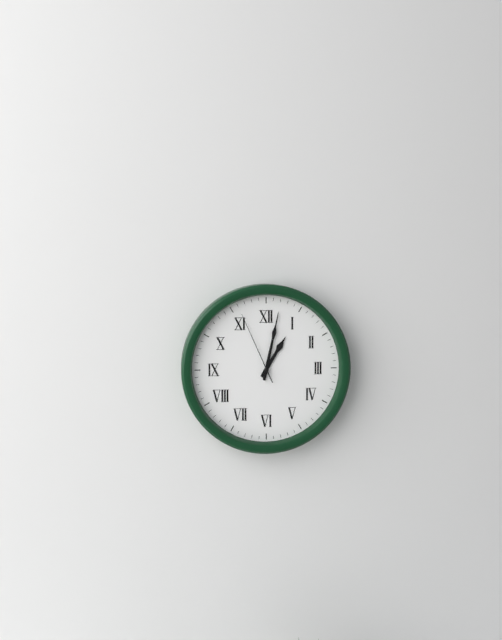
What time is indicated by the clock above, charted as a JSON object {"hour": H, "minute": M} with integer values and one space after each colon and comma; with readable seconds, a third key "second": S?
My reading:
{"hour": 1, "minute": 2, "second": 56}
